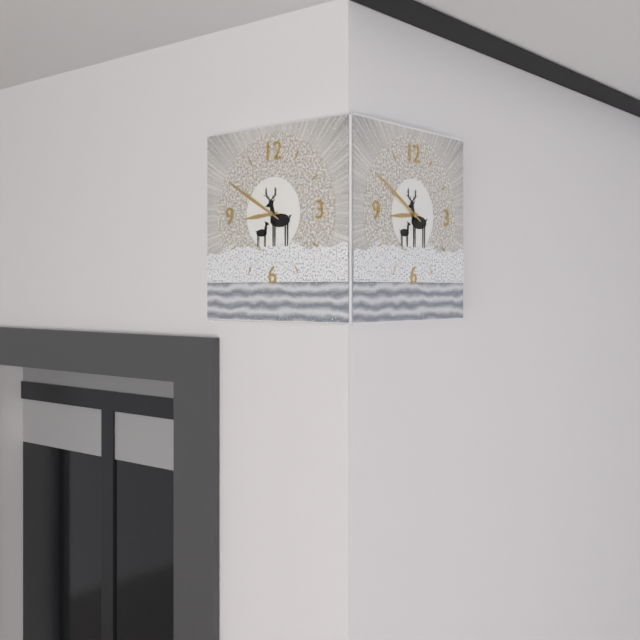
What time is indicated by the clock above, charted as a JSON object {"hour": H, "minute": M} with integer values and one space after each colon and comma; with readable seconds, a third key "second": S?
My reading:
{"hour": 8, "minute": 50}
